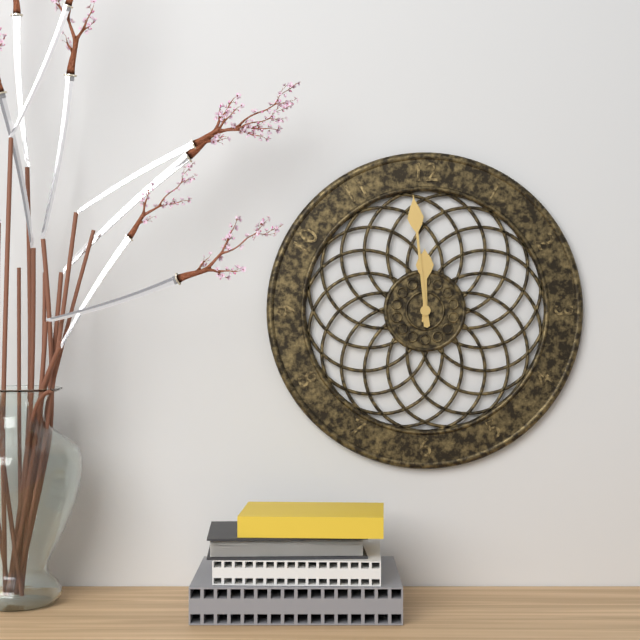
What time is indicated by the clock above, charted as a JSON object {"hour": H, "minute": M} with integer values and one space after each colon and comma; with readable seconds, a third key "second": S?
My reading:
{"hour": 11, "minute": 59}
